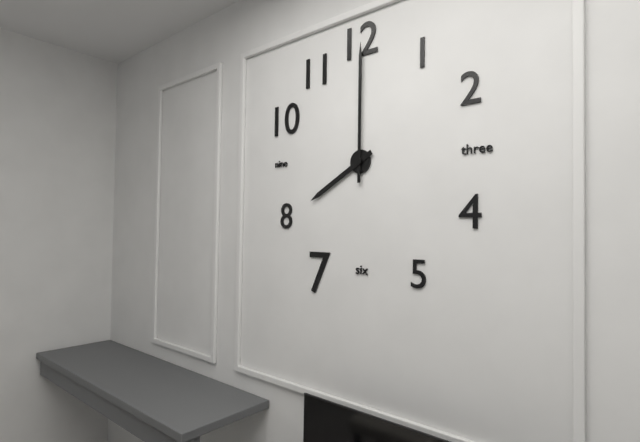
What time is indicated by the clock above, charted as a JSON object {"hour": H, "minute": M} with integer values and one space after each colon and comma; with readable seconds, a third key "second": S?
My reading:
{"hour": 8, "minute": 0}
